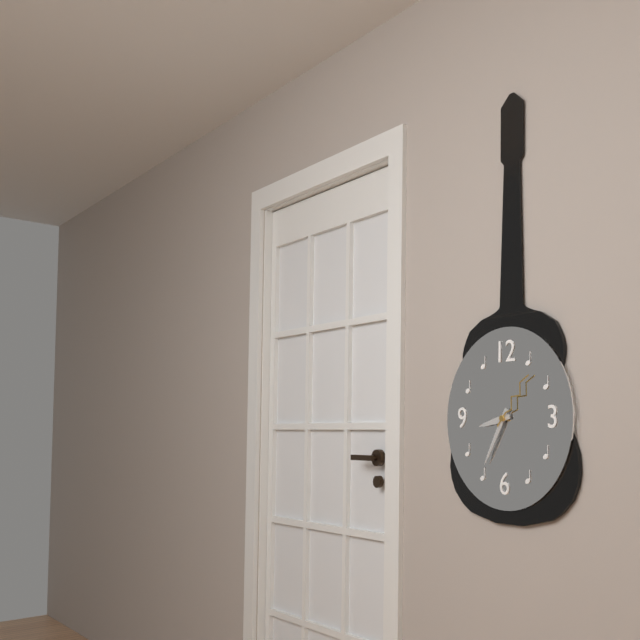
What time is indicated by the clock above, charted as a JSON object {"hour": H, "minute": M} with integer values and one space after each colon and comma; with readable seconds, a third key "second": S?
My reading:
{"hour": 8, "minute": 35, "second": 7}
